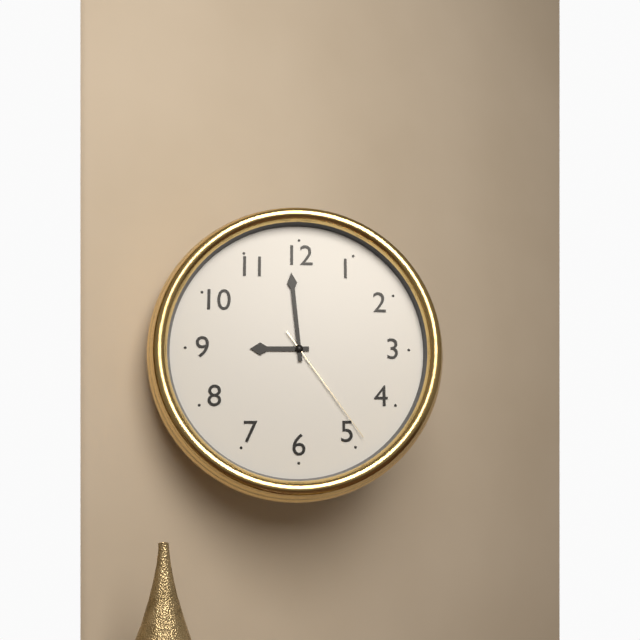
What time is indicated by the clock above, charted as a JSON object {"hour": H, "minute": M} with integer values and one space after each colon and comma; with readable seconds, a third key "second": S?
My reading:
{"hour": 8, "minute": 59, "second": 24}
